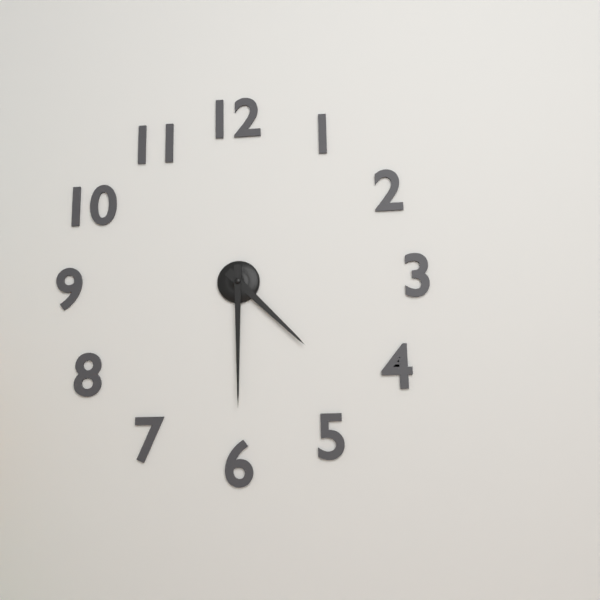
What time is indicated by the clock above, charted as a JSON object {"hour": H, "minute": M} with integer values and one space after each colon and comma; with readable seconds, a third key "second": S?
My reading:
{"hour": 4, "minute": 30}
